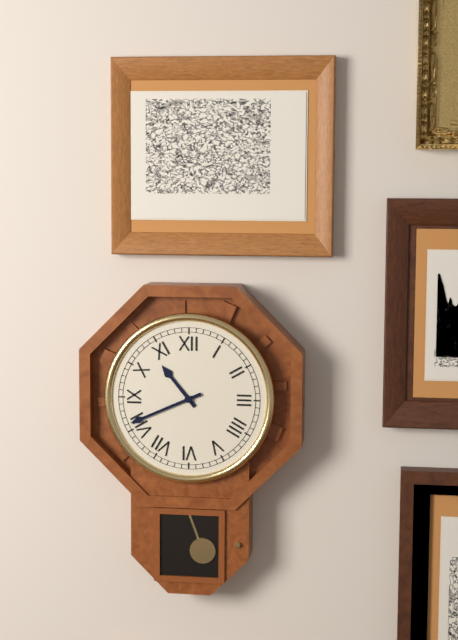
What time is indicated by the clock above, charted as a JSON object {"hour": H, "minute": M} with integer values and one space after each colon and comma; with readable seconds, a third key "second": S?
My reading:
{"hour": 10, "minute": 41}
